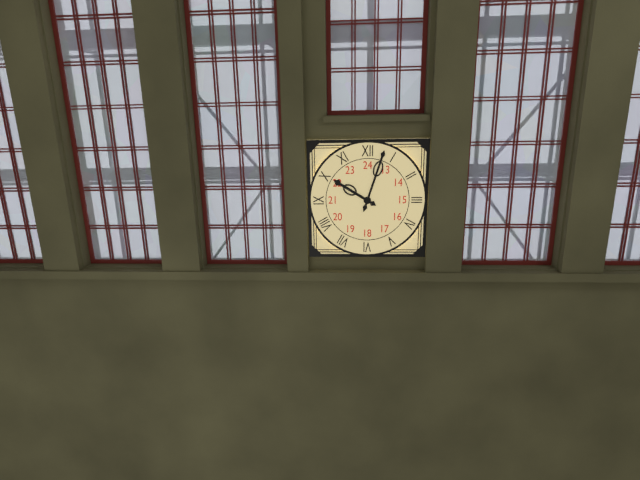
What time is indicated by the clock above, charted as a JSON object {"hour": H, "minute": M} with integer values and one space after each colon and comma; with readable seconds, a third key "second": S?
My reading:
{"hour": 10, "minute": 3}
